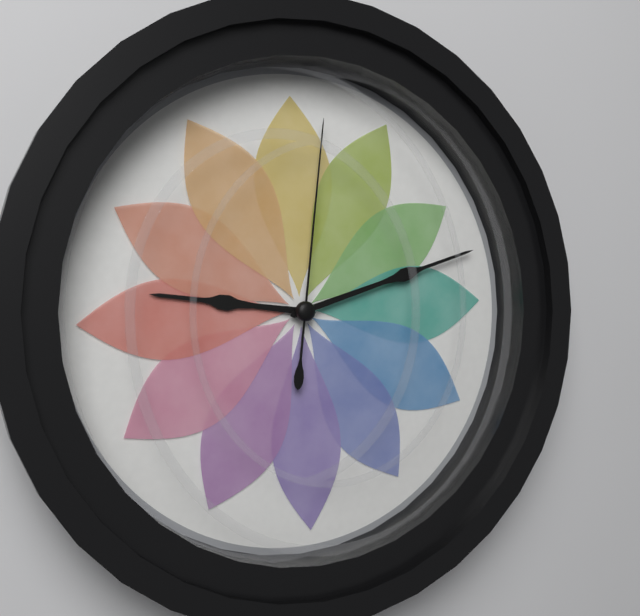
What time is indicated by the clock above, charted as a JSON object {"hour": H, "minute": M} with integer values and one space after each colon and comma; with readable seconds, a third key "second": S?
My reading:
{"hour": 9, "minute": 12, "second": 1}
